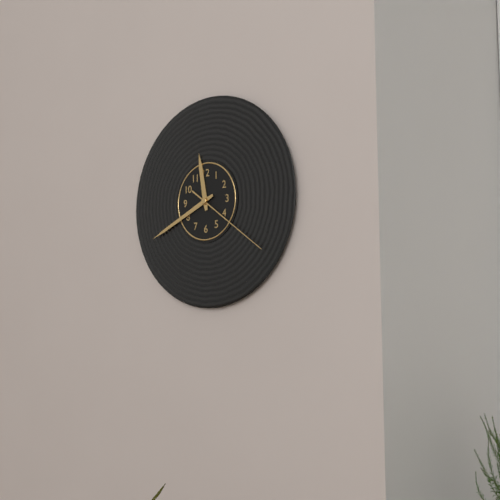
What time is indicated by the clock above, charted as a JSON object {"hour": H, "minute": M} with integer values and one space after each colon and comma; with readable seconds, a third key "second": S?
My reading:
{"hour": 11, "minute": 41, "second": 21}
